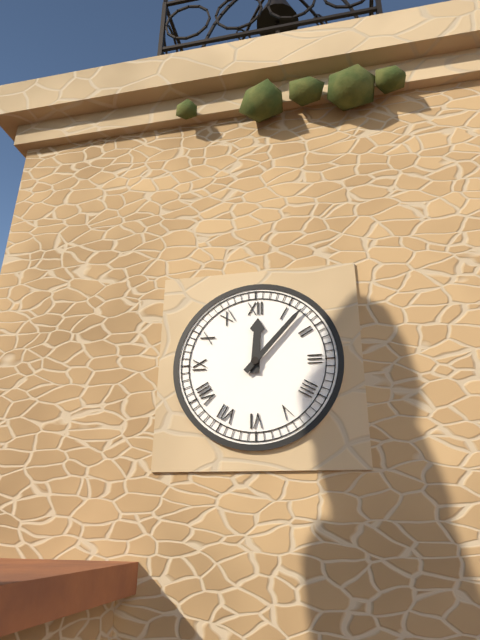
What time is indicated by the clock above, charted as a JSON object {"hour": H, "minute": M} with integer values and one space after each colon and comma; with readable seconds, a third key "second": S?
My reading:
{"hour": 12, "minute": 7}
